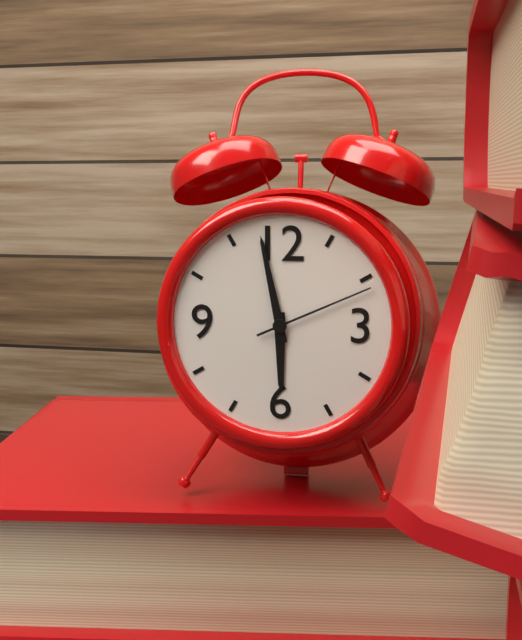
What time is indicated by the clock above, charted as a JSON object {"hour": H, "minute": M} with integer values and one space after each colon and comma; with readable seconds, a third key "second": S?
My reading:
{"hour": 5, "minute": 58, "second": 11}
